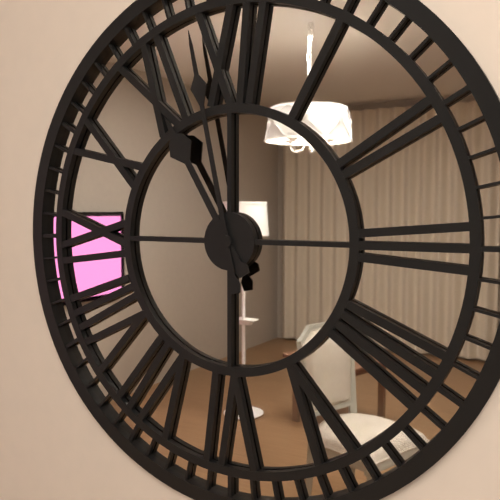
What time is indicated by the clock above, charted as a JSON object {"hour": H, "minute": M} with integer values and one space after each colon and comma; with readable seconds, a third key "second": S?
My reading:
{"hour": 10, "minute": 58}
